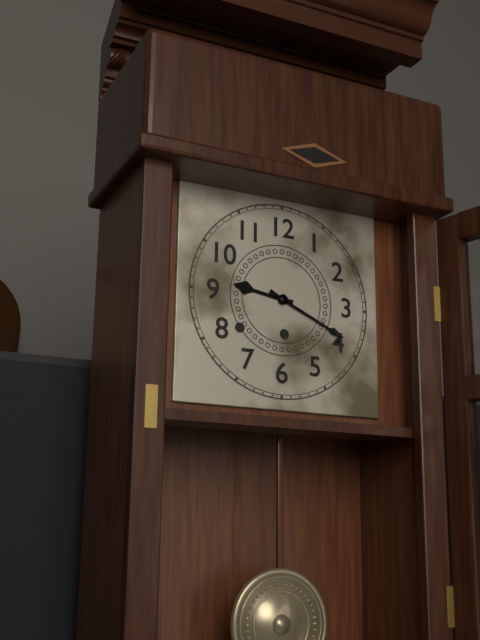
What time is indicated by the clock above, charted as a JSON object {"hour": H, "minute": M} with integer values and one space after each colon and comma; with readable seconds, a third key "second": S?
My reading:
{"hour": 9, "minute": 19}
